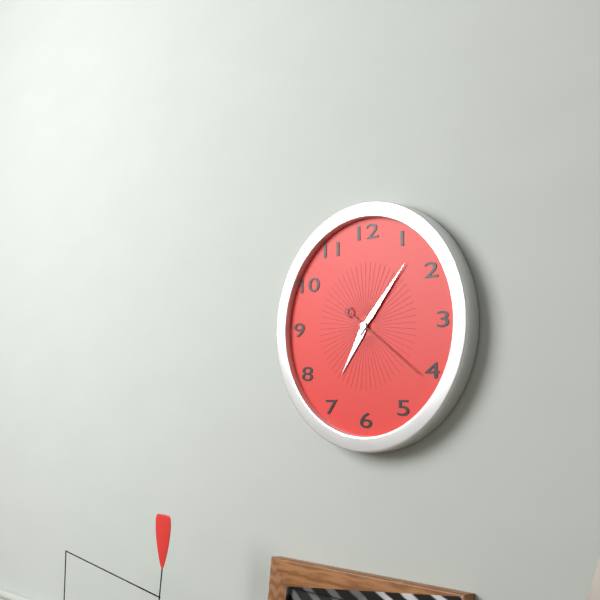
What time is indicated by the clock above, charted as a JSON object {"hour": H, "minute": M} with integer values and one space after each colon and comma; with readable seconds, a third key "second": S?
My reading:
{"hour": 7, "minute": 7, "second": 21}
